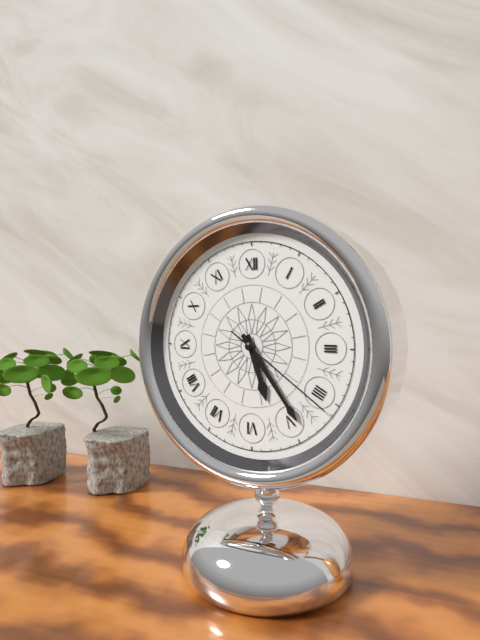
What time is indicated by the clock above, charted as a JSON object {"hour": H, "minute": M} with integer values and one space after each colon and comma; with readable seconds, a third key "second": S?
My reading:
{"hour": 5, "minute": 24, "second": 21}
